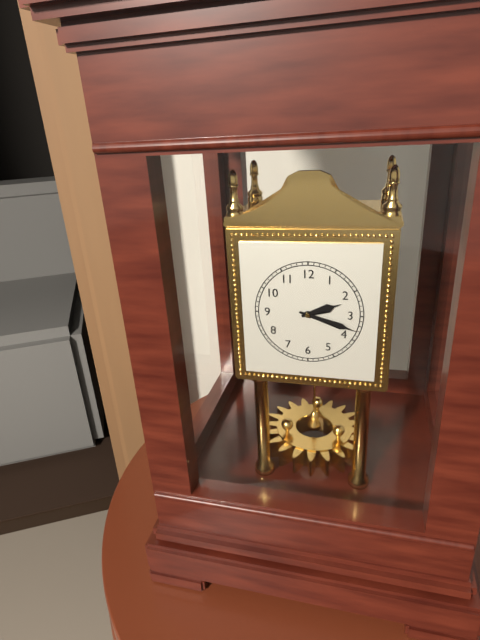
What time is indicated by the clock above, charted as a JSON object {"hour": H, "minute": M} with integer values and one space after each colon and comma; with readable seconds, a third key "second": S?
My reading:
{"hour": 2, "minute": 18}
